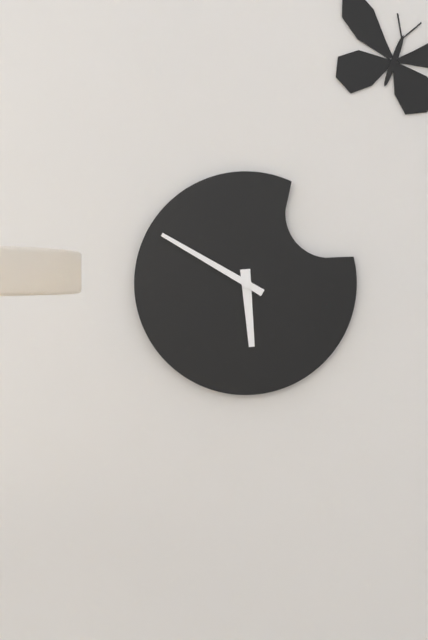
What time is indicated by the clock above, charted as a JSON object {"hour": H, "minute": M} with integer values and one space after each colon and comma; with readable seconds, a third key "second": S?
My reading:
{"hour": 5, "minute": 50}
